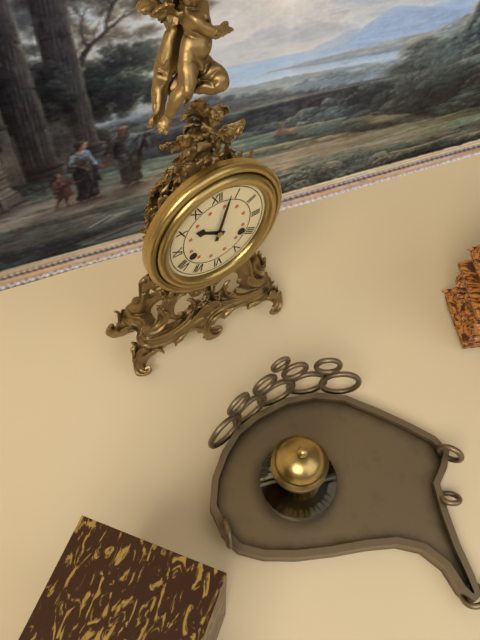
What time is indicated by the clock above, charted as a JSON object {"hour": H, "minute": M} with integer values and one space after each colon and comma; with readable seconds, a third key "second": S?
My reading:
{"hour": 10, "minute": 3}
